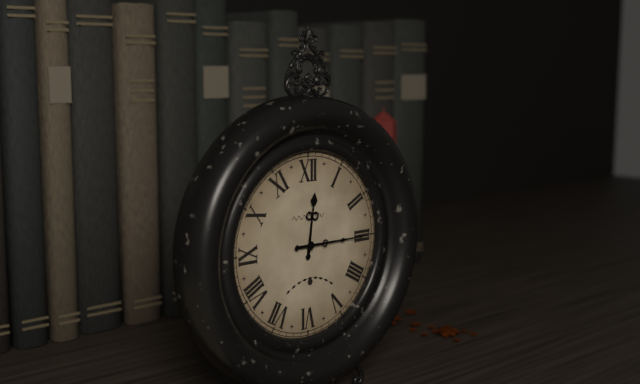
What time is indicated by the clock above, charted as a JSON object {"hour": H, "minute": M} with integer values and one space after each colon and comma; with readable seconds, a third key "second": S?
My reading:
{"hour": 12, "minute": 15}
